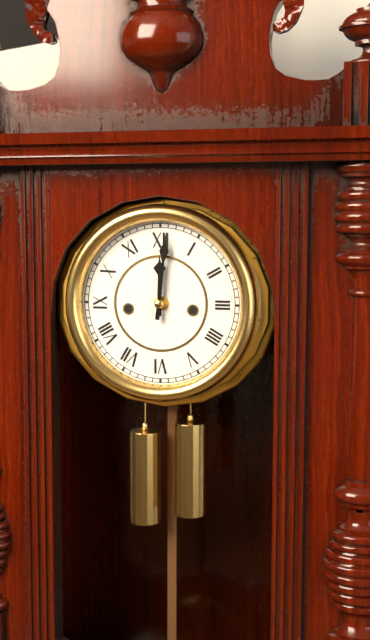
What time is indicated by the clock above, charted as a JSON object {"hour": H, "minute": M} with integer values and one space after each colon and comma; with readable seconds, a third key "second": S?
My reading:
{"hour": 12, "minute": 1}
